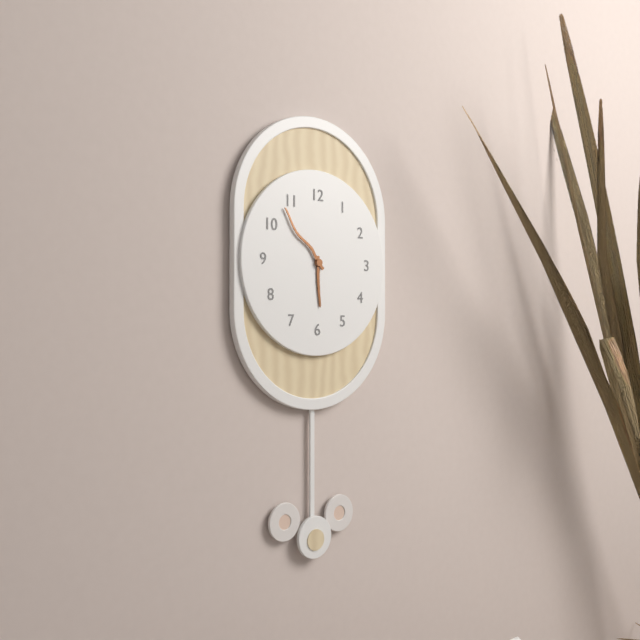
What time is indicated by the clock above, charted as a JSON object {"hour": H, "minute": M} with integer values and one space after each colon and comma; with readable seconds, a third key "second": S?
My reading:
{"hour": 5, "minute": 53}
